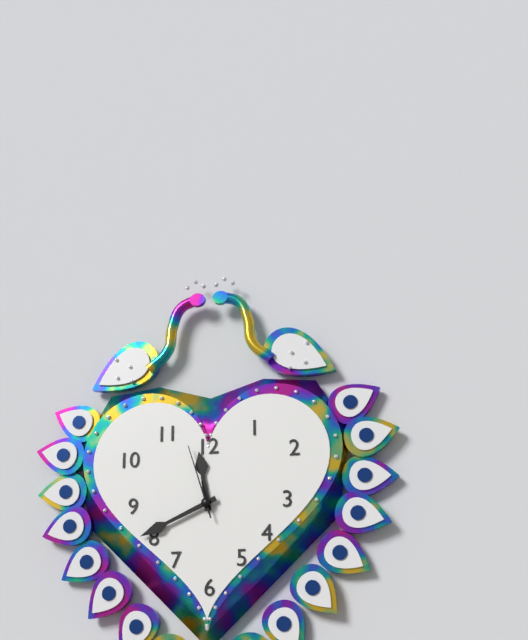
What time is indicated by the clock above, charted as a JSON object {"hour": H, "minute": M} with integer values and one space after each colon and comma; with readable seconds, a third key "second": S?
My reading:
{"hour": 11, "minute": 41, "second": 57}
